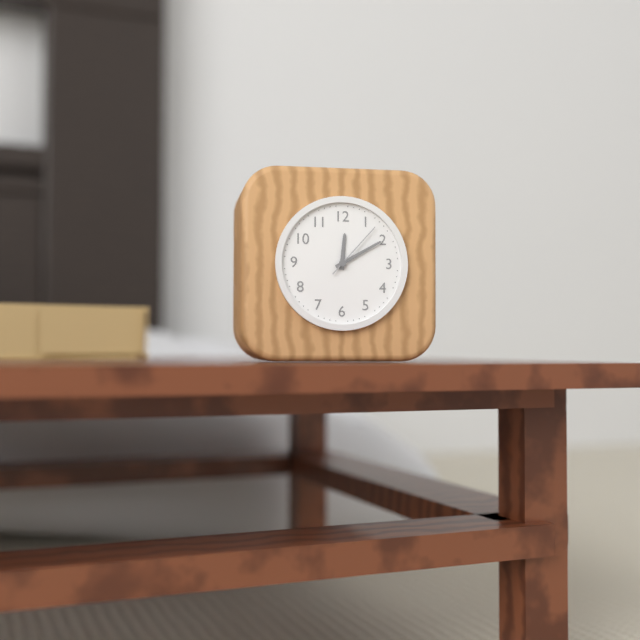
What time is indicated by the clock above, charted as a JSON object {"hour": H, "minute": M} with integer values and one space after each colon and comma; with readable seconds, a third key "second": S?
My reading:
{"hour": 12, "minute": 10, "second": 7}
